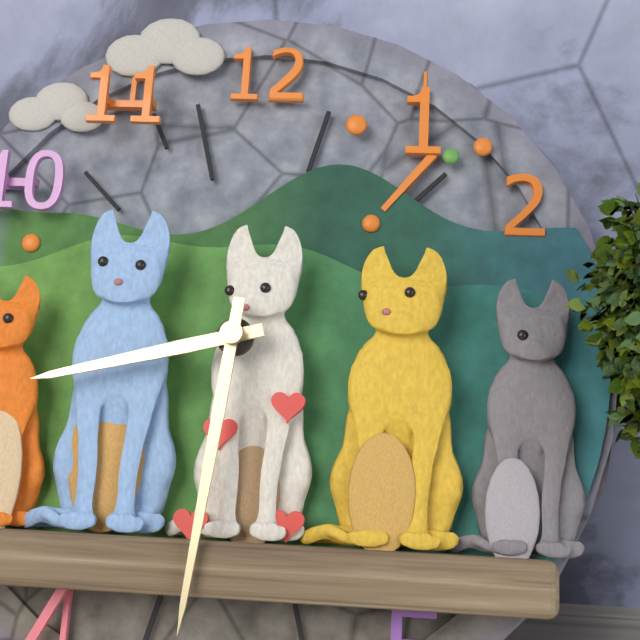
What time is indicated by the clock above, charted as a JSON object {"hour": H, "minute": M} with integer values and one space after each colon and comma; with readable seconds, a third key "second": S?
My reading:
{"hour": 8, "minute": 31}
